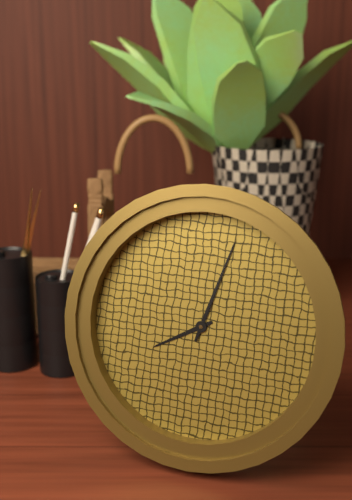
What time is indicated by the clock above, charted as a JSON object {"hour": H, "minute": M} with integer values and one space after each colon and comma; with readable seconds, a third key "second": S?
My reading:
{"hour": 8, "minute": 3}
